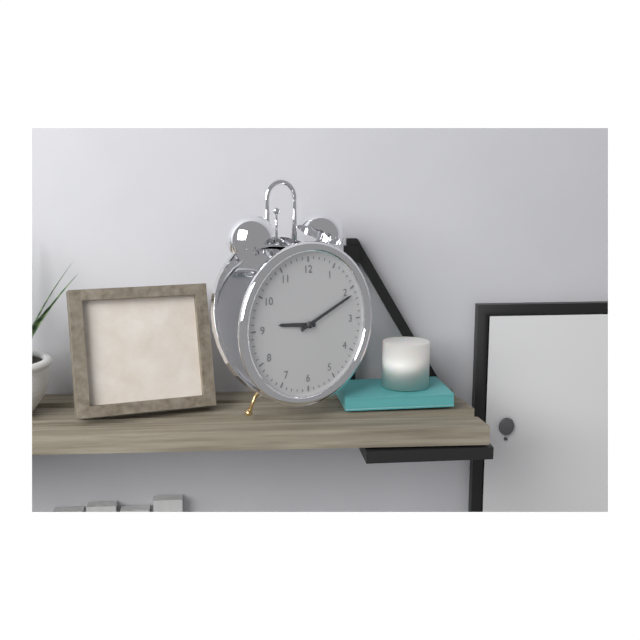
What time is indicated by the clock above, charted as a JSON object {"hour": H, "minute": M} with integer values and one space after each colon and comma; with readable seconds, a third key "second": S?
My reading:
{"hour": 9, "minute": 11}
